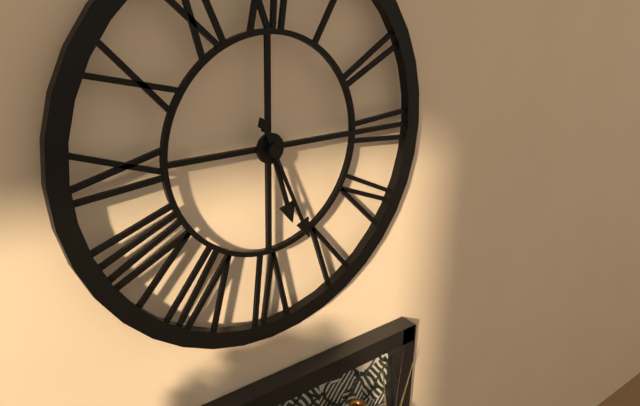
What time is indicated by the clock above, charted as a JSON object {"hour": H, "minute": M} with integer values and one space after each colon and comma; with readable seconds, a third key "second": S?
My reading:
{"hour": 5, "minute": 26}
